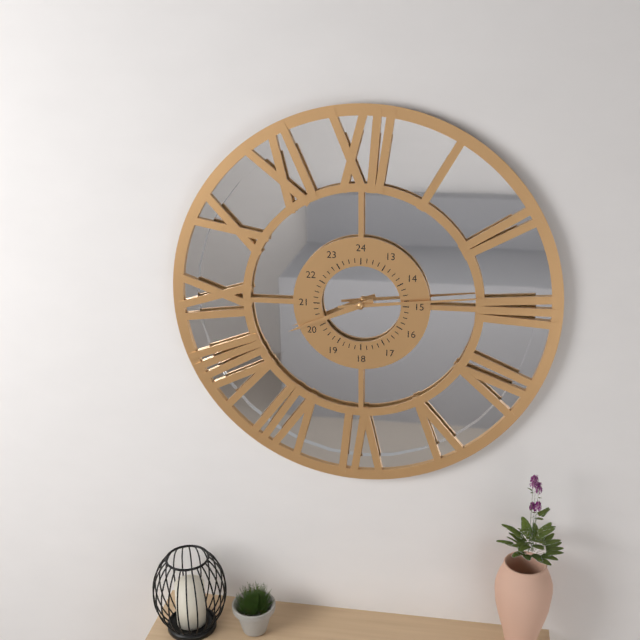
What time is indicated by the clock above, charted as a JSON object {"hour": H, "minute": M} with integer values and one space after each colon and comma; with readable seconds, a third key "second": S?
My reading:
{"hour": 8, "minute": 14}
